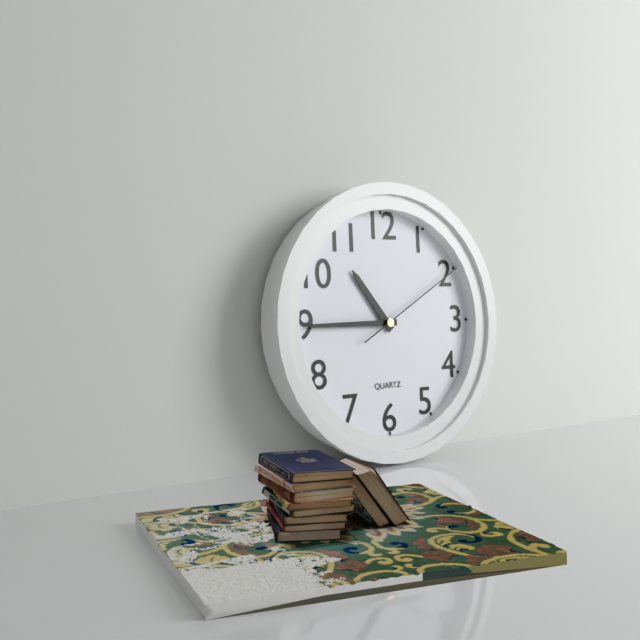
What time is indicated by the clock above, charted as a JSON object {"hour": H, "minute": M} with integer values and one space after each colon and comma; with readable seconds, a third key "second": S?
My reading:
{"hour": 10, "minute": 45, "second": 10}
